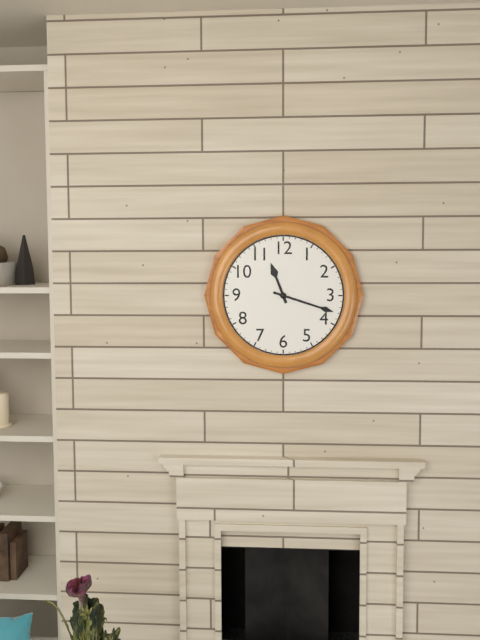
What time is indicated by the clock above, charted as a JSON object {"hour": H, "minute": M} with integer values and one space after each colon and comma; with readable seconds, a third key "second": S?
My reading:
{"hour": 11, "minute": 18}
